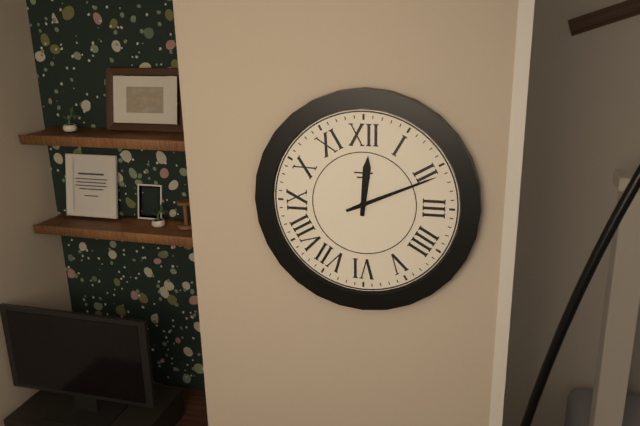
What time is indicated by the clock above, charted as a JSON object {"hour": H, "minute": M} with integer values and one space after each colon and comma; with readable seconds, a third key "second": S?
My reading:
{"hour": 12, "minute": 11}
